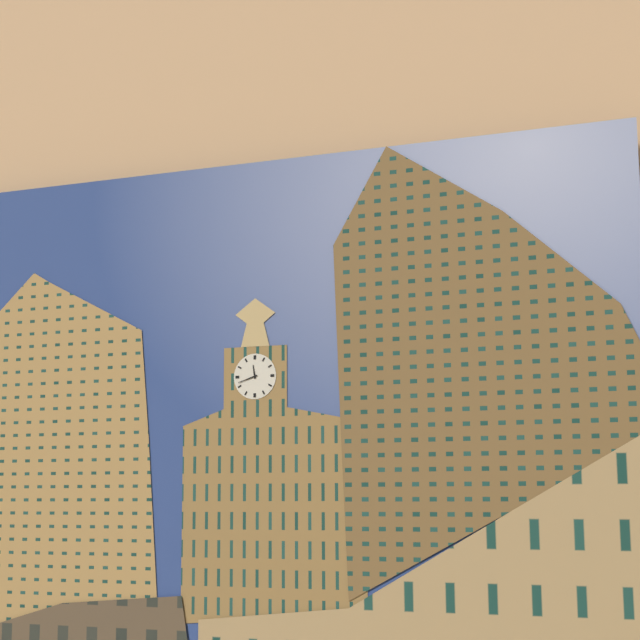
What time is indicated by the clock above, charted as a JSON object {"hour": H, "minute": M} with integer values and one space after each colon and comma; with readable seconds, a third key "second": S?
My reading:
{"hour": 11, "minute": 42}
